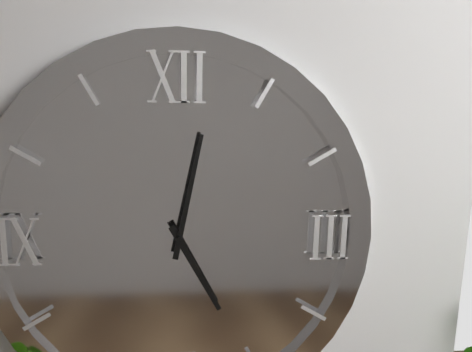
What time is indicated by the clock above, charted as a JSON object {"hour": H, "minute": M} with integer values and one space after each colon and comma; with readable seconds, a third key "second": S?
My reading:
{"hour": 5, "minute": 2}
